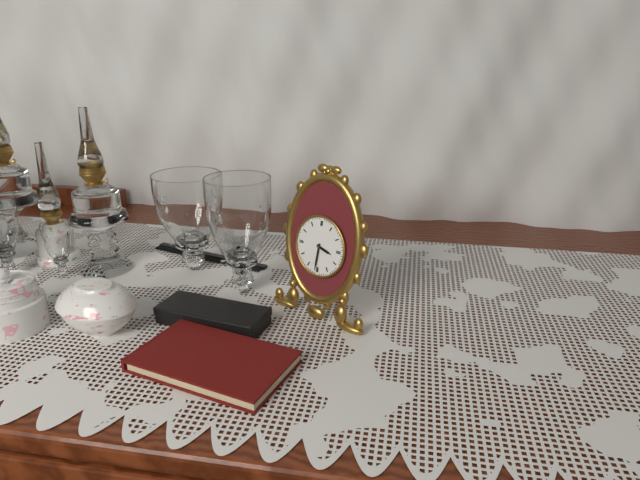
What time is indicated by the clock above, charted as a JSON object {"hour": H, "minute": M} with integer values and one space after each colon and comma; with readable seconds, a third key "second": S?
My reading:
{"hour": 3, "minute": 31}
